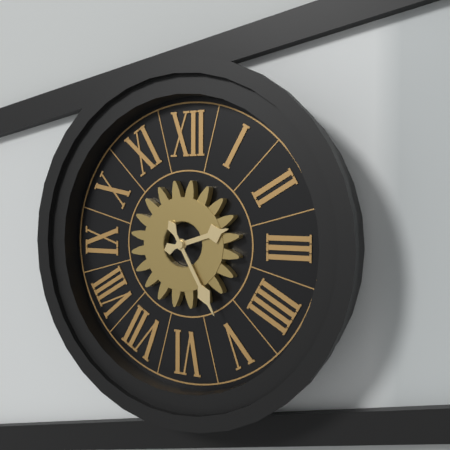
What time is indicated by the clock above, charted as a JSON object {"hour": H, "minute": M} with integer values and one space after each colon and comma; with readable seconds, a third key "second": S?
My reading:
{"hour": 2, "minute": 25}
